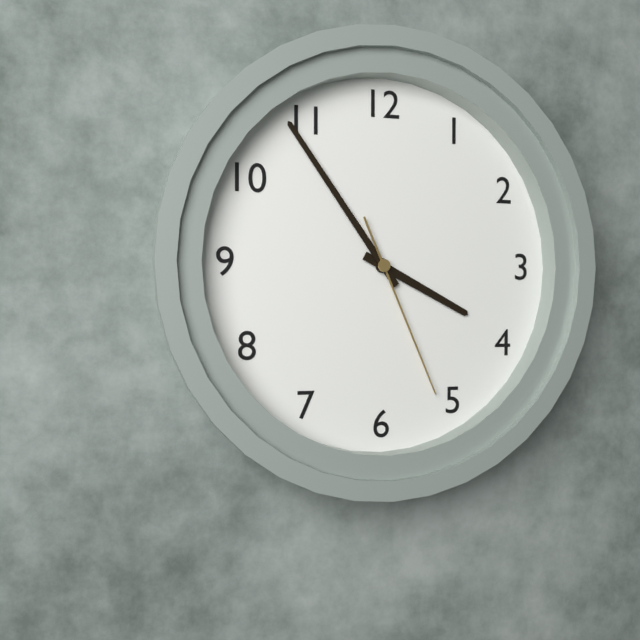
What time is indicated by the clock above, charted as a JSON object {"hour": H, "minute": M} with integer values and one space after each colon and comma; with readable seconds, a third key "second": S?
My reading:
{"hour": 3, "minute": 54, "second": 26}
